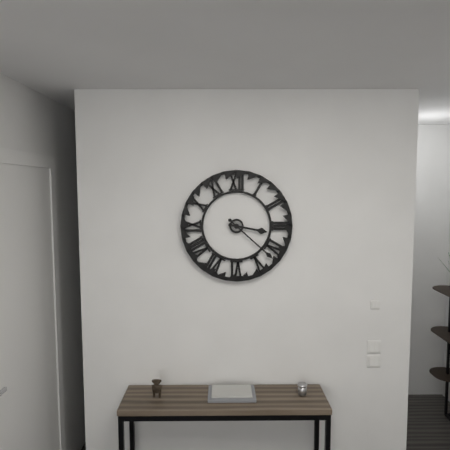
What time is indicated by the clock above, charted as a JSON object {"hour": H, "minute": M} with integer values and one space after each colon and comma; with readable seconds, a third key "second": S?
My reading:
{"hour": 3, "minute": 22}
